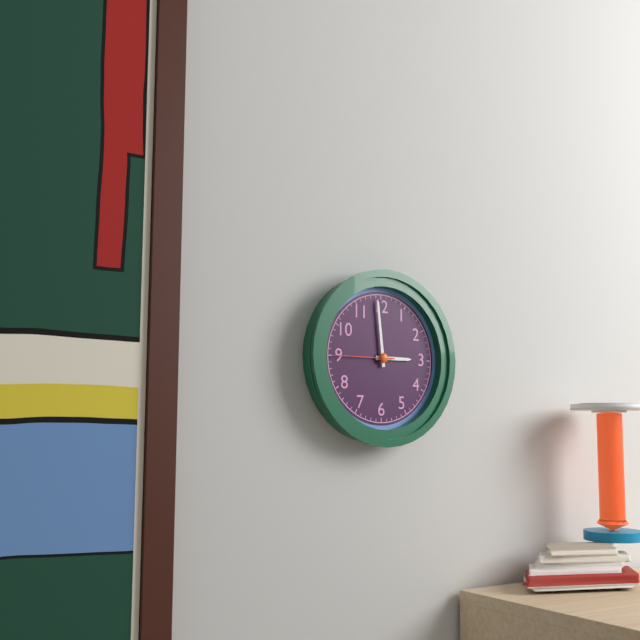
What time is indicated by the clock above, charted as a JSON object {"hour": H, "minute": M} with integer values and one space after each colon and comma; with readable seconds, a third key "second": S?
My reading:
{"hour": 2, "minute": 59, "second": 45}
